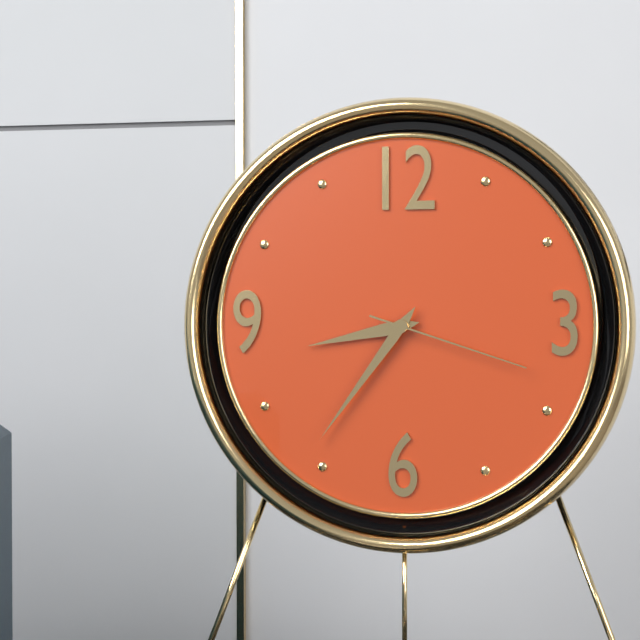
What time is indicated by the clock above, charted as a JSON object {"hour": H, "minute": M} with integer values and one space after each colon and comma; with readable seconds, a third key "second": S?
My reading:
{"hour": 8, "minute": 36, "second": 18}
